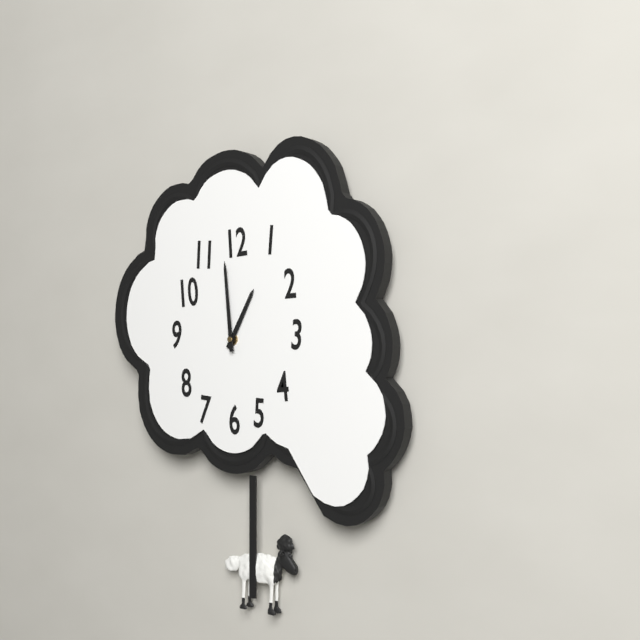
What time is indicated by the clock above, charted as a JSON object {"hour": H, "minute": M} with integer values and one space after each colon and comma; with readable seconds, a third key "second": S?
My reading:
{"hour": 12, "minute": 59}
